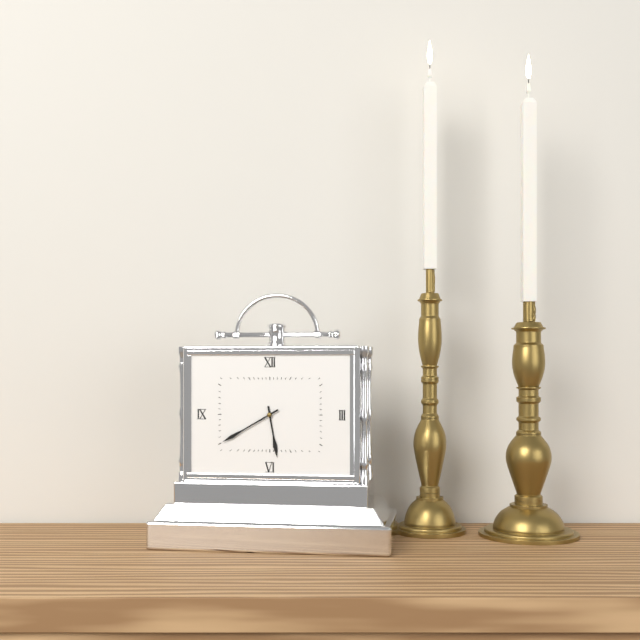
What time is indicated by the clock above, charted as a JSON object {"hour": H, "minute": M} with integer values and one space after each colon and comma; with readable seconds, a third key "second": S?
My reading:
{"hour": 5, "minute": 40}
